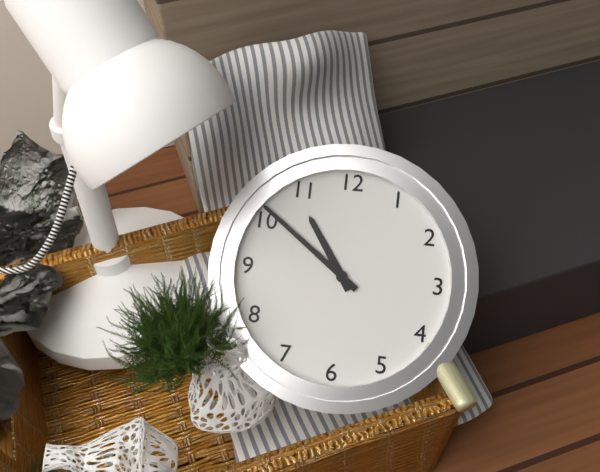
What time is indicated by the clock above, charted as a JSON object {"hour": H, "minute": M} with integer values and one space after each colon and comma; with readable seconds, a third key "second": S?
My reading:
{"hour": 10, "minute": 51}
